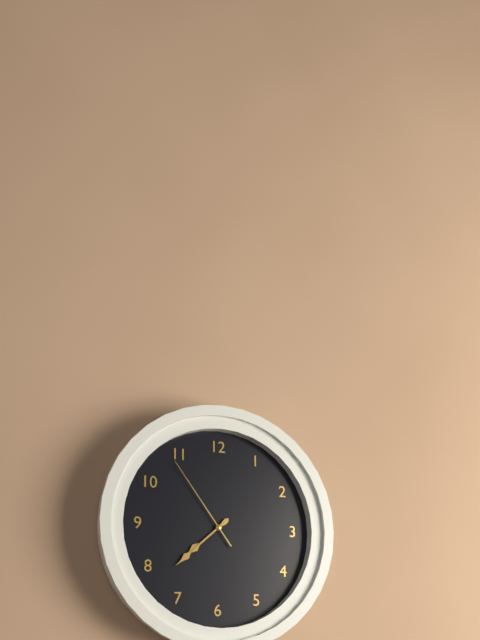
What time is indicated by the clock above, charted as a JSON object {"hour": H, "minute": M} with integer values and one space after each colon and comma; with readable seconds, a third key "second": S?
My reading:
{"hour": 7, "minute": 38, "second": 54}
